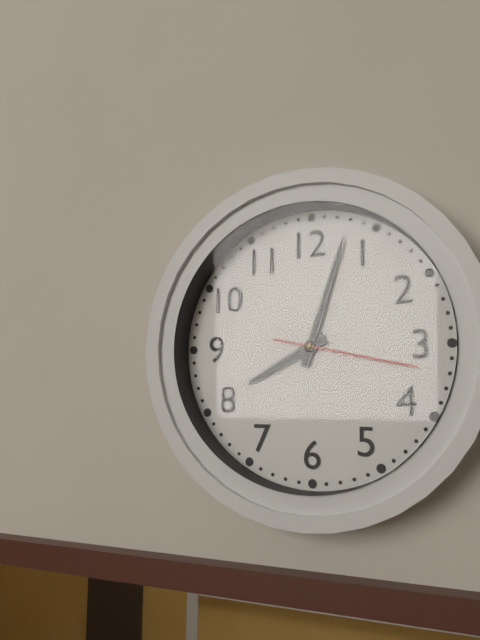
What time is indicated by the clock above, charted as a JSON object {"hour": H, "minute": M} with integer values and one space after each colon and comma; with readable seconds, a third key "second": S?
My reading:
{"hour": 8, "minute": 3, "second": 17}
